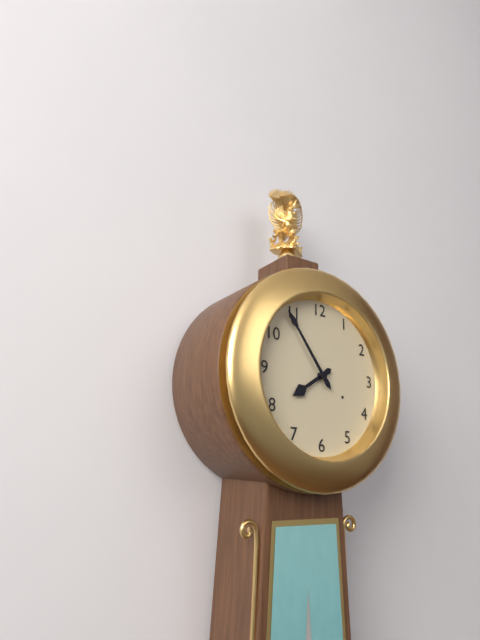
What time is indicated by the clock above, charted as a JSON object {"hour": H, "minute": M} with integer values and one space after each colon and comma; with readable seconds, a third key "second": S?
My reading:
{"hour": 7, "minute": 54}
